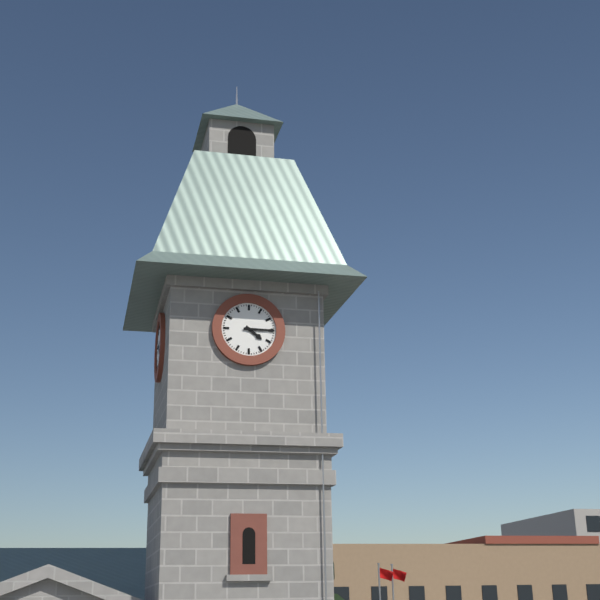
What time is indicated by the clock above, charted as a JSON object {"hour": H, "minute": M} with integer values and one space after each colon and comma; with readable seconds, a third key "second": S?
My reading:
{"hour": 4, "minute": 15}
